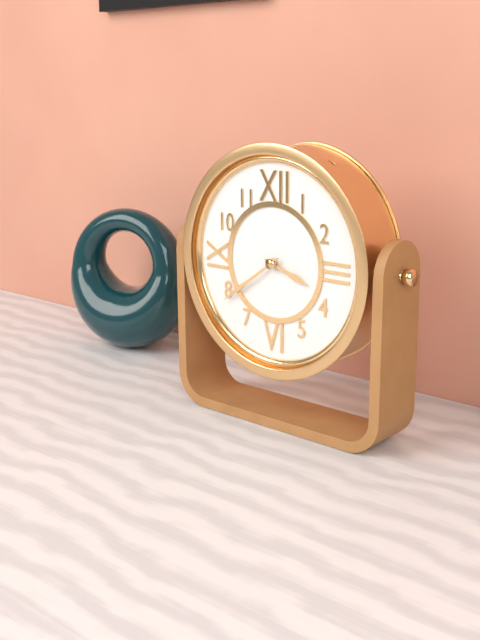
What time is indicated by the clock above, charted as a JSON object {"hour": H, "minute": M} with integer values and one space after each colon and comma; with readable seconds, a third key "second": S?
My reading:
{"hour": 3, "minute": 39}
